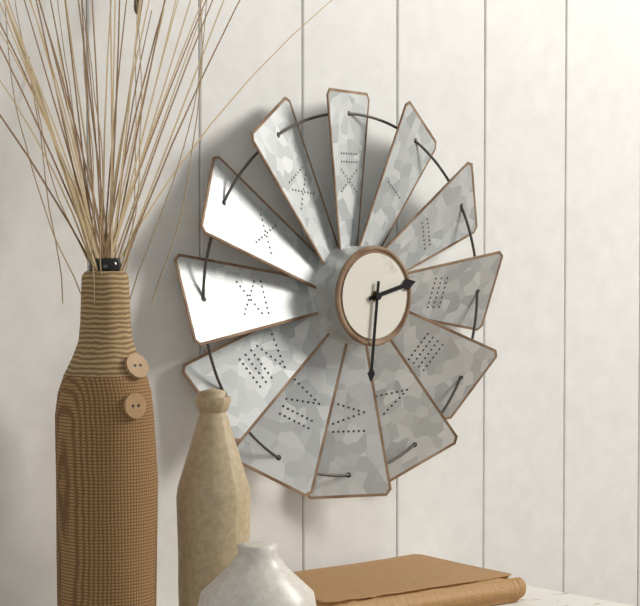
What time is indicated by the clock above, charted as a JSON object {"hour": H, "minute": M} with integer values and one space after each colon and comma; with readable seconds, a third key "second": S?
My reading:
{"hour": 2, "minute": 31}
